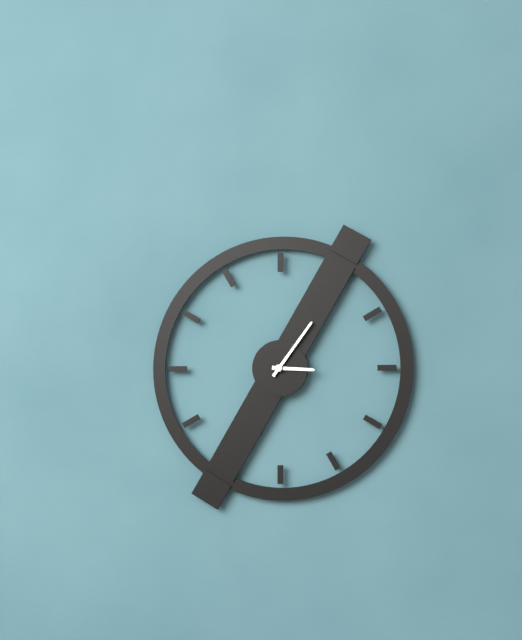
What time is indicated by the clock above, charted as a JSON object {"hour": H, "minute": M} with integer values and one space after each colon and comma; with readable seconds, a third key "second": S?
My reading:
{"hour": 3, "minute": 6}
